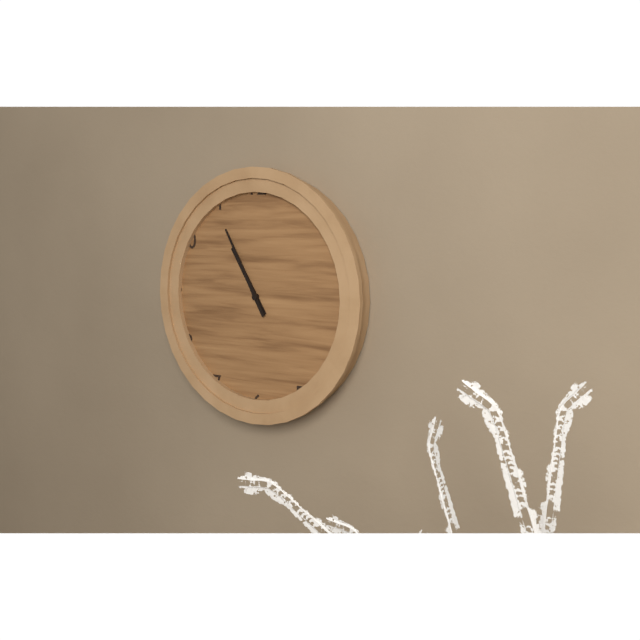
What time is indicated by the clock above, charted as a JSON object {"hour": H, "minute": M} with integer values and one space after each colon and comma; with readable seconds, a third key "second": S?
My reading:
{"hour": 10, "minute": 55}
